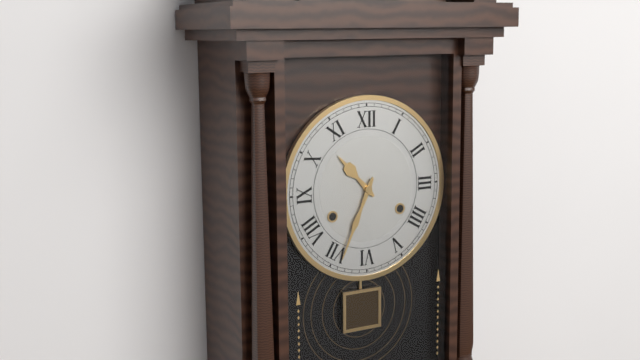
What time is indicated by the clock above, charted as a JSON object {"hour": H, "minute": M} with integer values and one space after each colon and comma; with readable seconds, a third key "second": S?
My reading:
{"hour": 10, "minute": 34}
